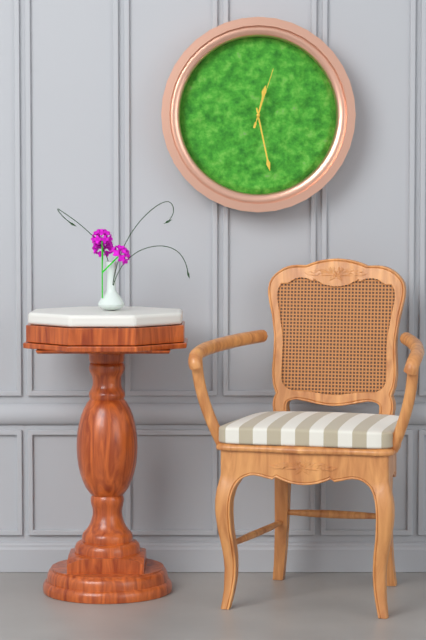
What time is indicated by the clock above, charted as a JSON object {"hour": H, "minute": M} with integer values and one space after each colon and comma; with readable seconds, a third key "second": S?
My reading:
{"hour": 12, "minute": 28, "second": 3}
